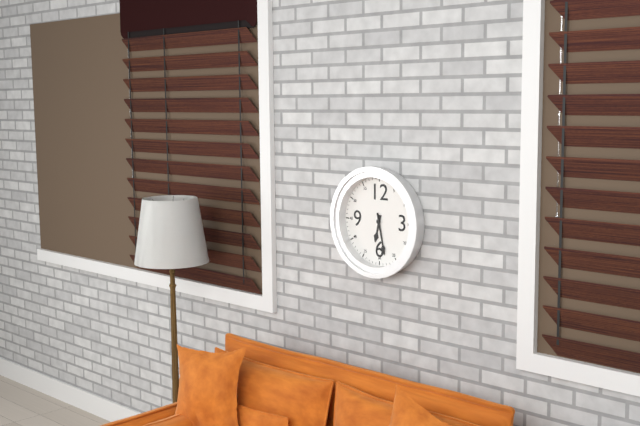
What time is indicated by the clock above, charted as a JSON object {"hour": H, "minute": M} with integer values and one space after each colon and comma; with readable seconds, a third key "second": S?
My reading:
{"hour": 6, "minute": 28}
